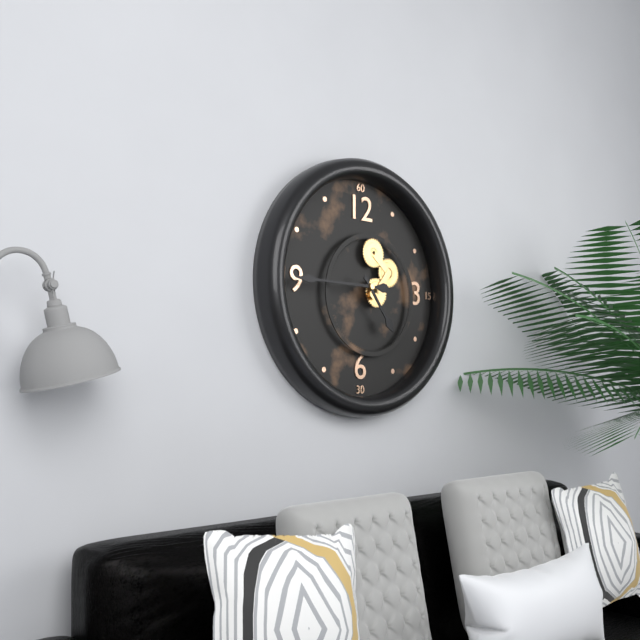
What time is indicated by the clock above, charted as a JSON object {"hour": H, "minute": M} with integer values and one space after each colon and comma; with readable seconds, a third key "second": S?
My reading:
{"hour": 4, "minute": 45}
